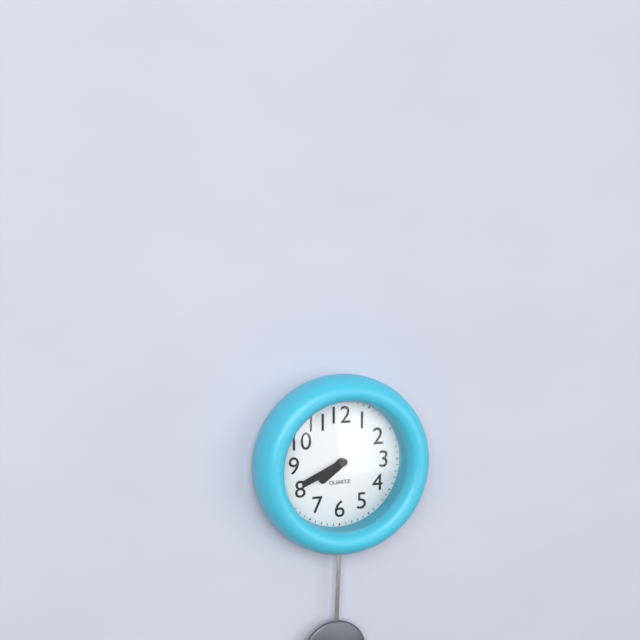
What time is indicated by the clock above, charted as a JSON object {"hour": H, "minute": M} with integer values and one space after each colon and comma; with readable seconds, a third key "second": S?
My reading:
{"hour": 7, "minute": 41}
